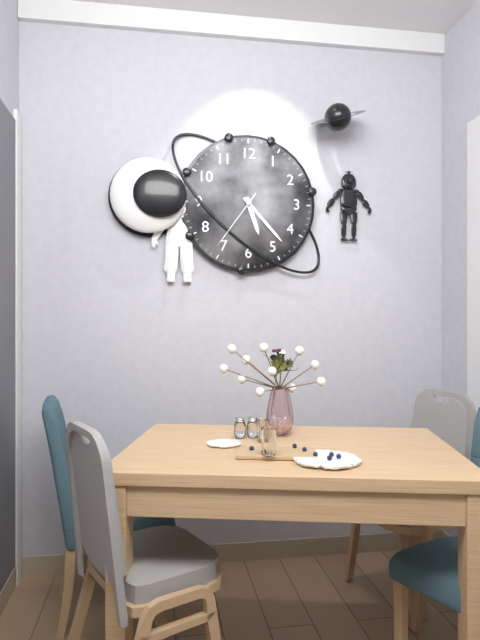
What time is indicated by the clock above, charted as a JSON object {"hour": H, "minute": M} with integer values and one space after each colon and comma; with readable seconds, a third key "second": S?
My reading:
{"hour": 5, "minute": 23, "second": 36}
